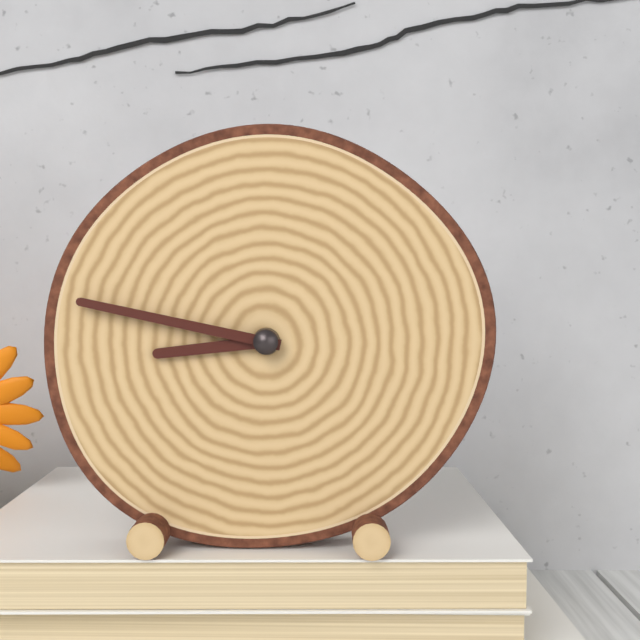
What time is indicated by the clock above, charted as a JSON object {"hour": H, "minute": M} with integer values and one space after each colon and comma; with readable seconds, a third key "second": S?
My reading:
{"hour": 8, "minute": 47}
